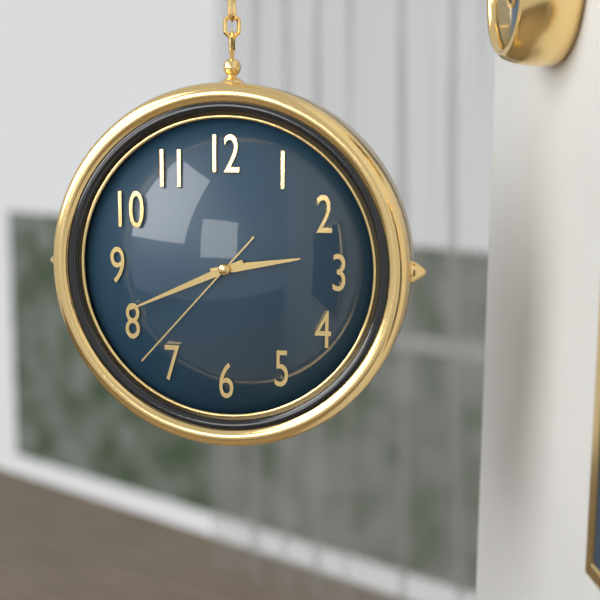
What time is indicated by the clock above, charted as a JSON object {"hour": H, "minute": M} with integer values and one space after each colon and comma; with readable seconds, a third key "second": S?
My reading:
{"hour": 2, "minute": 41, "second": 37}
